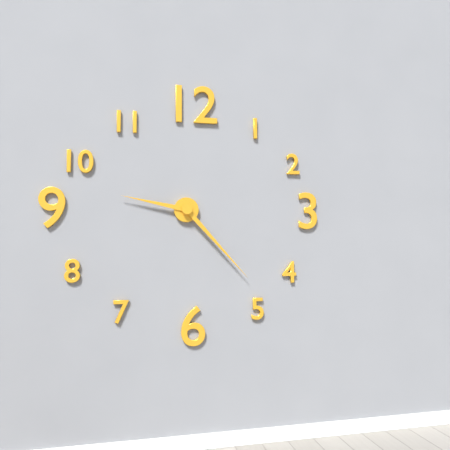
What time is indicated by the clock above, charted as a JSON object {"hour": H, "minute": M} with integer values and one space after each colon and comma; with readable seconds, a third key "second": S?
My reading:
{"hour": 9, "minute": 23}
